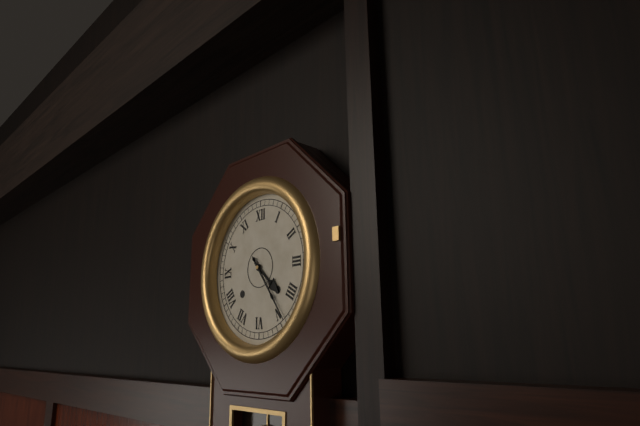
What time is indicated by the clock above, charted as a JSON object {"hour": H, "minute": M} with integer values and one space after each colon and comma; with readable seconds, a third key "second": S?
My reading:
{"hour": 4, "minute": 24}
